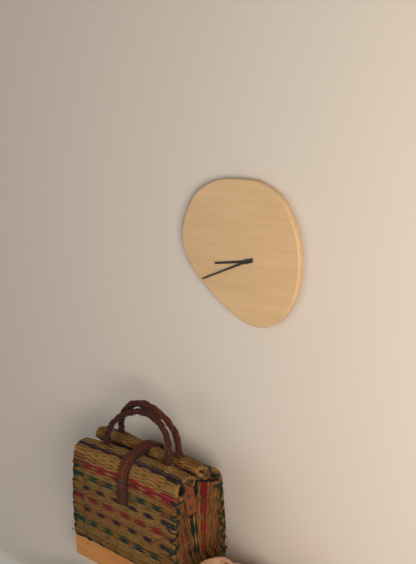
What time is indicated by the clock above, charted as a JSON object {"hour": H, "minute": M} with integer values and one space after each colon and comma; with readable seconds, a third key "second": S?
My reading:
{"hour": 8, "minute": 41}
